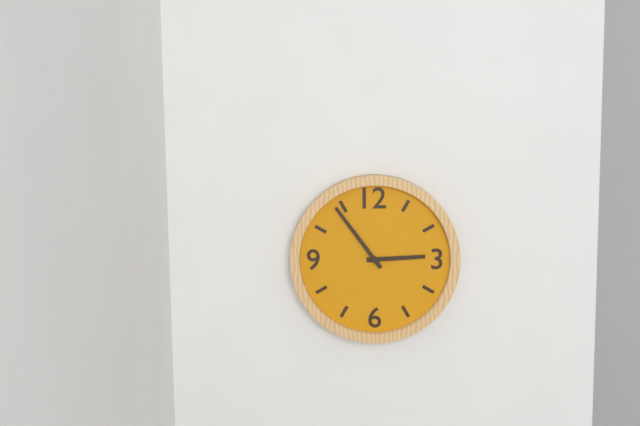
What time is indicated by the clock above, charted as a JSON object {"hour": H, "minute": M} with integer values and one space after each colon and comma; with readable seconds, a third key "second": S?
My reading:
{"hour": 2, "minute": 54}
